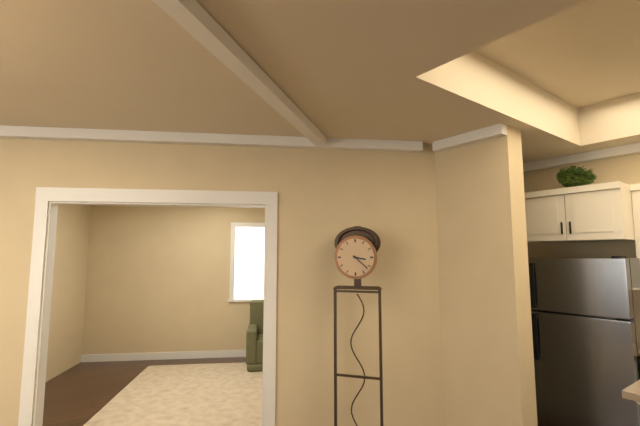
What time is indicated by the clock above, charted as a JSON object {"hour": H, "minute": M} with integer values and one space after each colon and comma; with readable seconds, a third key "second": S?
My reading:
{"hour": 3, "minute": 22}
